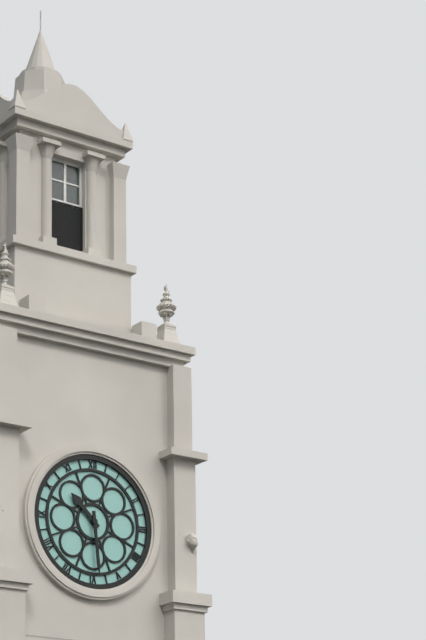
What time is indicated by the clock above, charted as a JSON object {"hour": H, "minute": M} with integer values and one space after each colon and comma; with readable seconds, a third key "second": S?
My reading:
{"hour": 10, "minute": 29}
